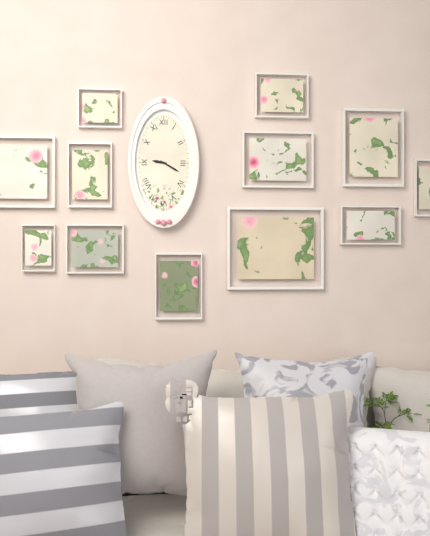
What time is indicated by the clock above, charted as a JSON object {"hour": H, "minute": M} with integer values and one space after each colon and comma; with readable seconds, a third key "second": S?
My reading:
{"hour": 9, "minute": 20}
